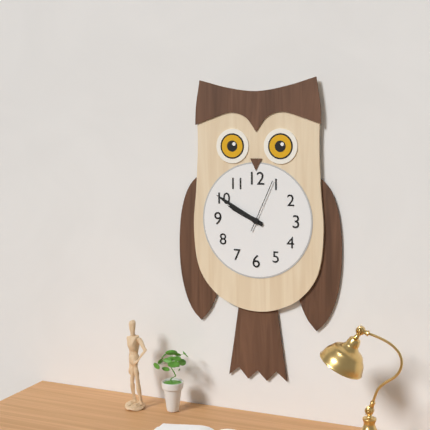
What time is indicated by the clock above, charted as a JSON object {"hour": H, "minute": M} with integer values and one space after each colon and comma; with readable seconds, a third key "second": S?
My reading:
{"hour": 9, "minute": 50, "second": 4}
